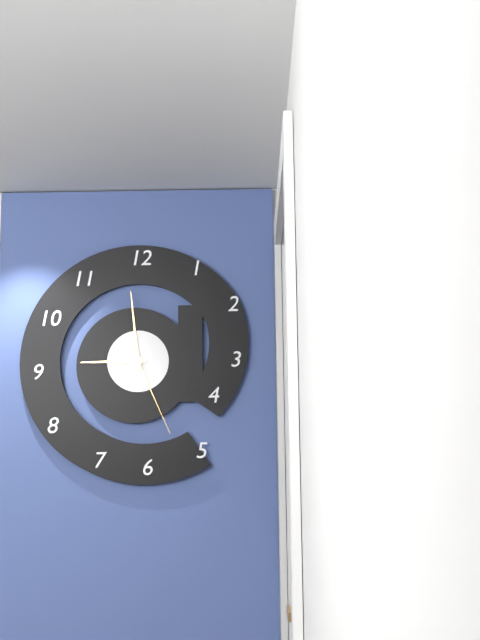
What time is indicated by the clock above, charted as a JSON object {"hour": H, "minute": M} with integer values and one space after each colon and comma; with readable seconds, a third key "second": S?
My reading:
{"hour": 8, "minute": 59, "second": 26}
